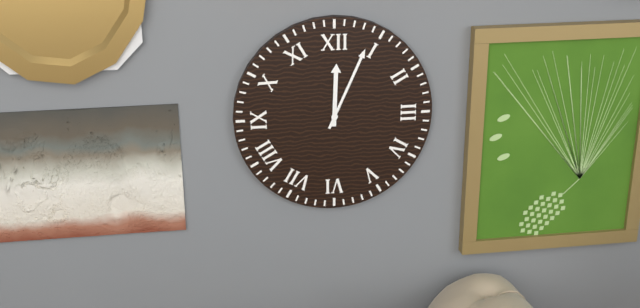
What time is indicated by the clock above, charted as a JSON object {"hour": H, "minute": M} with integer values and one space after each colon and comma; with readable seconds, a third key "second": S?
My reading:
{"hour": 12, "minute": 4}
